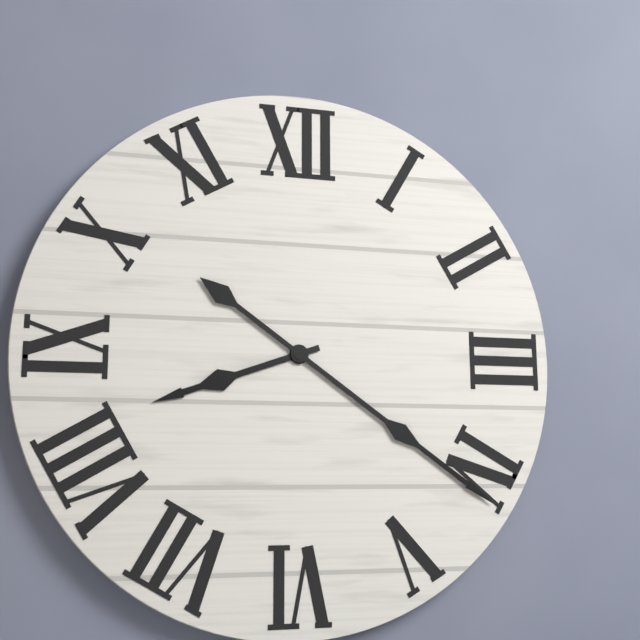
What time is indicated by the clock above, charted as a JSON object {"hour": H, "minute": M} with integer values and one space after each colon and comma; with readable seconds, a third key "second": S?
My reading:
{"hour": 8, "minute": 21}
